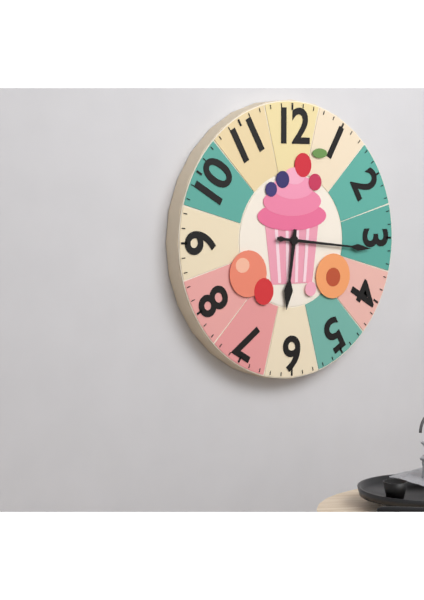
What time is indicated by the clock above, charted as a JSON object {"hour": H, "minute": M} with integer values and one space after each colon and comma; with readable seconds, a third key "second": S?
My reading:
{"hour": 6, "minute": 16}
